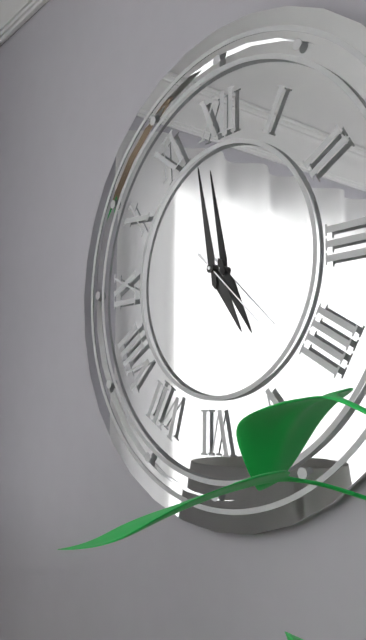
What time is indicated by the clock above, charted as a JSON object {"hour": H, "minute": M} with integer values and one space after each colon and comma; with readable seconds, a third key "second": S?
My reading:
{"hour": 4, "minute": 58, "second": 22}
